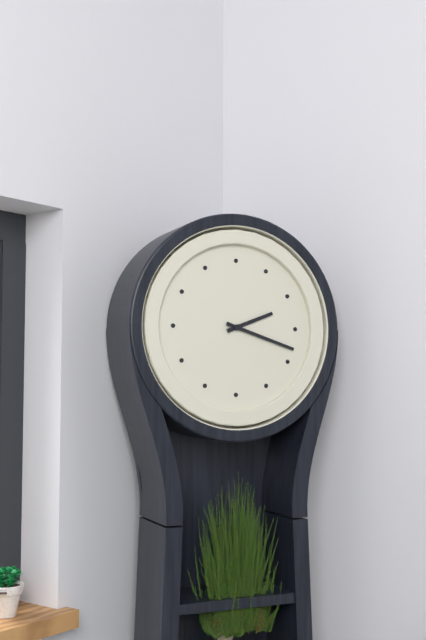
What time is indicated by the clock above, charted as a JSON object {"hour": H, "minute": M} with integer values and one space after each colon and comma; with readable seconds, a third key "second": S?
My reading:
{"hour": 2, "minute": 18}
